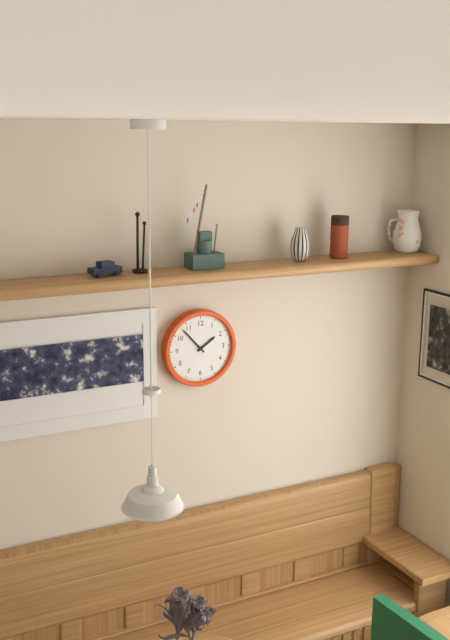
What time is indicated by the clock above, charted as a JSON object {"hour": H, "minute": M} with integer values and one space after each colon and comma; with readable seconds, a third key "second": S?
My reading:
{"hour": 1, "minute": 53}
